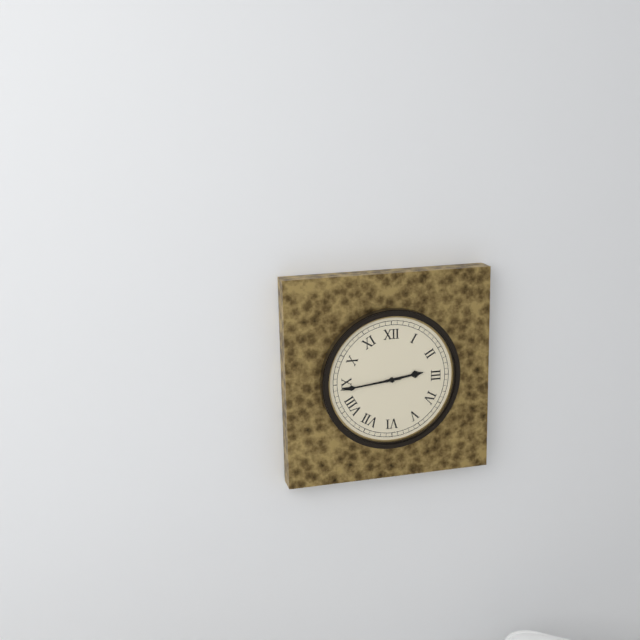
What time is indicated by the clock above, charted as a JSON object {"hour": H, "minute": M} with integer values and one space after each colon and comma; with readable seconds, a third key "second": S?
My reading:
{"hour": 2, "minute": 44}
